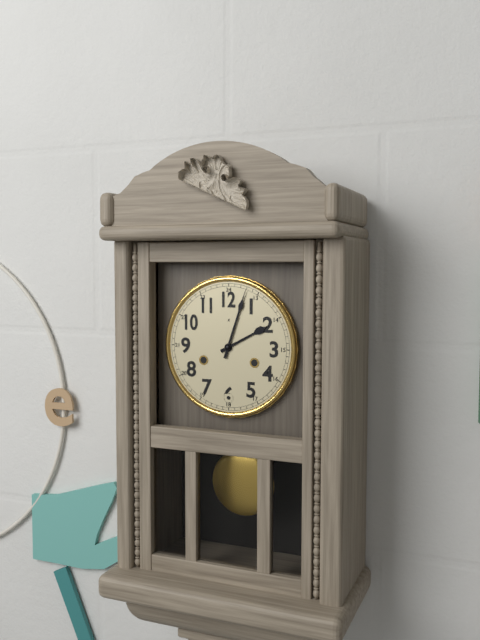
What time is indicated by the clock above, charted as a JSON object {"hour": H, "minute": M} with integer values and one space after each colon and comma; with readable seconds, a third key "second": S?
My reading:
{"hour": 2, "minute": 3}
